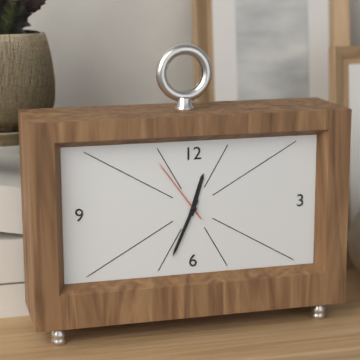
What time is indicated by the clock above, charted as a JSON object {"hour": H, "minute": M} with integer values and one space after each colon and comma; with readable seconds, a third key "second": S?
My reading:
{"hour": 12, "minute": 34, "second": 54}
